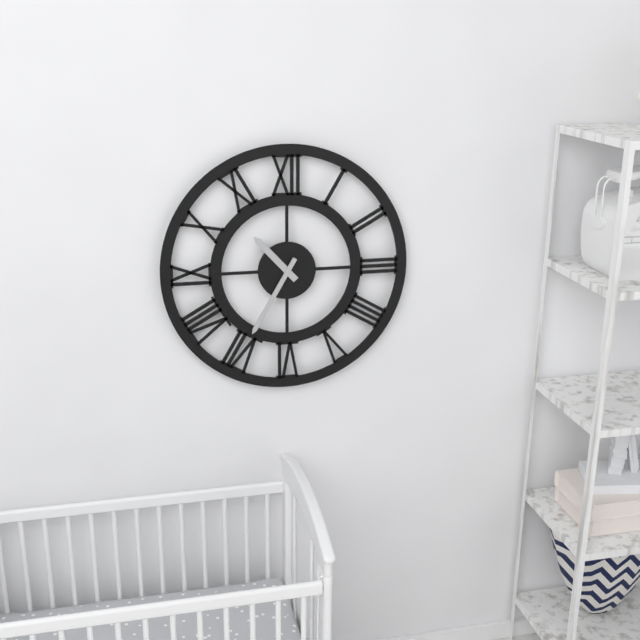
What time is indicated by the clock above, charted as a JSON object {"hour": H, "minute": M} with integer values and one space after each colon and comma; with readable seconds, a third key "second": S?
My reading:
{"hour": 10, "minute": 35}
